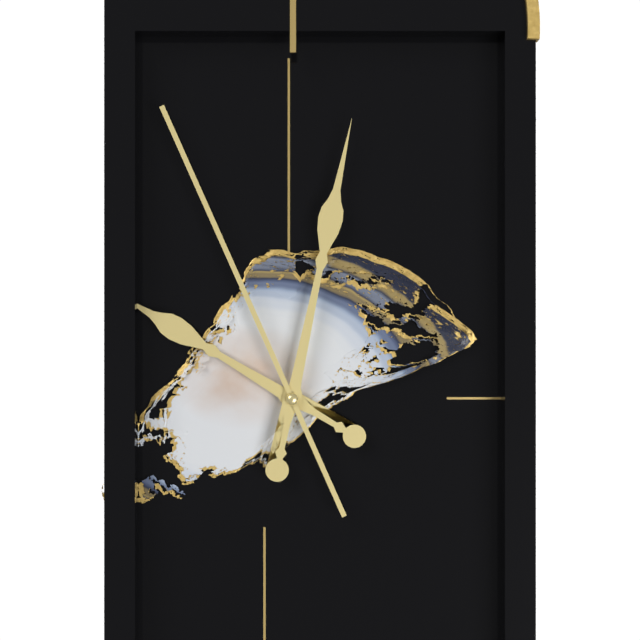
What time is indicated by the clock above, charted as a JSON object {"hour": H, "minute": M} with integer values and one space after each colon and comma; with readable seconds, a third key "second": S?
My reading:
{"hour": 10, "minute": 2, "second": 56}
